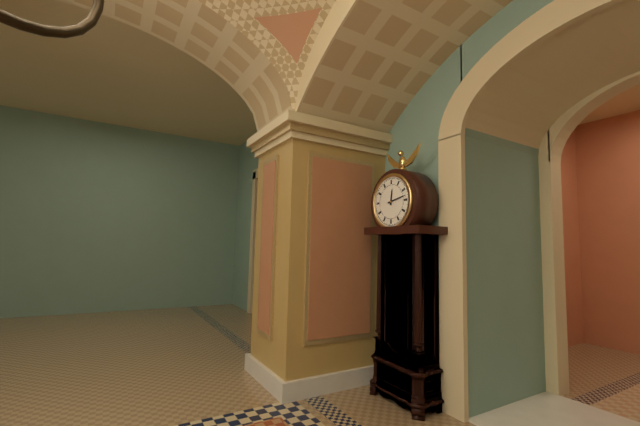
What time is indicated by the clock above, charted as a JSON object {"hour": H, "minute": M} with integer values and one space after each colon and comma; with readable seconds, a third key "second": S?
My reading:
{"hour": 12, "minute": 13}
